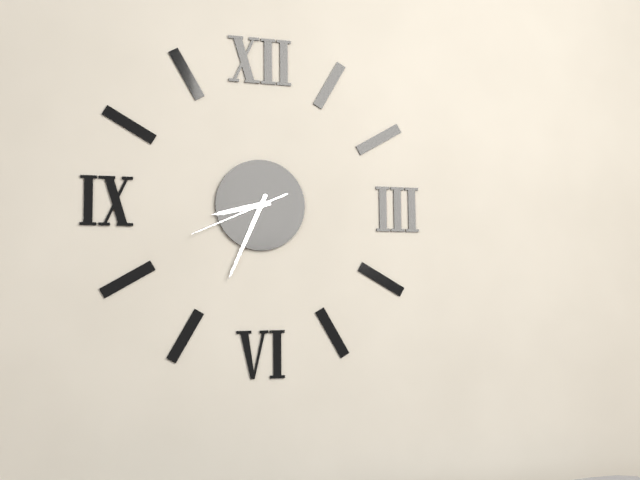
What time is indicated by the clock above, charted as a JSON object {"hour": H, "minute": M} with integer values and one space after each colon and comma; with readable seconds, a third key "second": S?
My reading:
{"hour": 8, "minute": 34, "second": 41}
